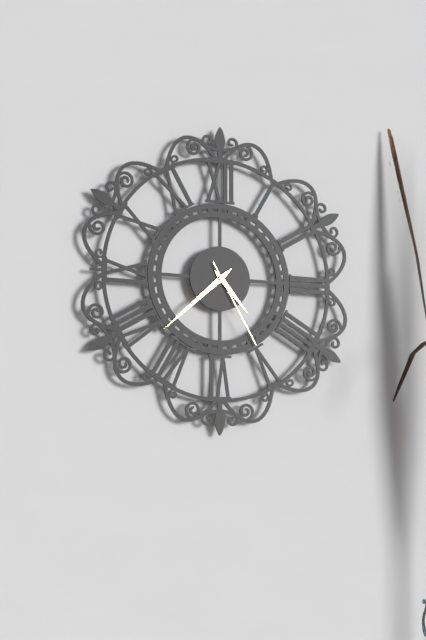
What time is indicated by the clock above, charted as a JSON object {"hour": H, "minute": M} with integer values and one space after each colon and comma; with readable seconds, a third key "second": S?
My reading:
{"hour": 4, "minute": 38, "second": 25}
